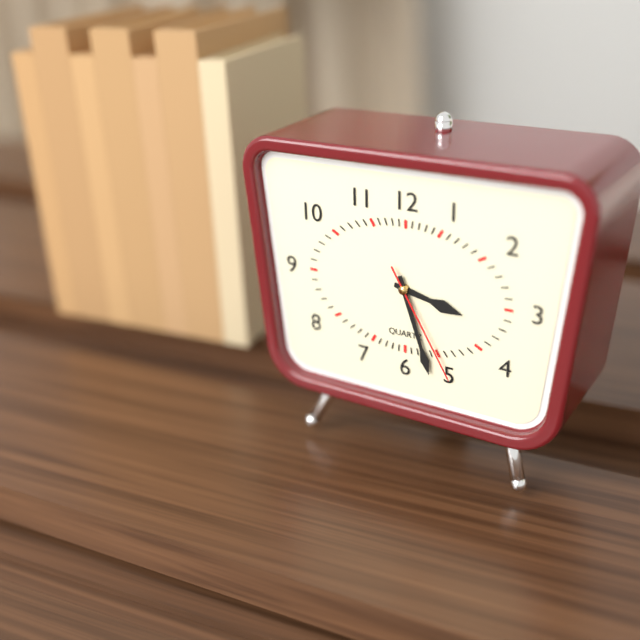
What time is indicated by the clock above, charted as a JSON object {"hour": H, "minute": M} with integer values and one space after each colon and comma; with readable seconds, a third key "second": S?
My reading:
{"hour": 3, "minute": 27, "second": 25}
